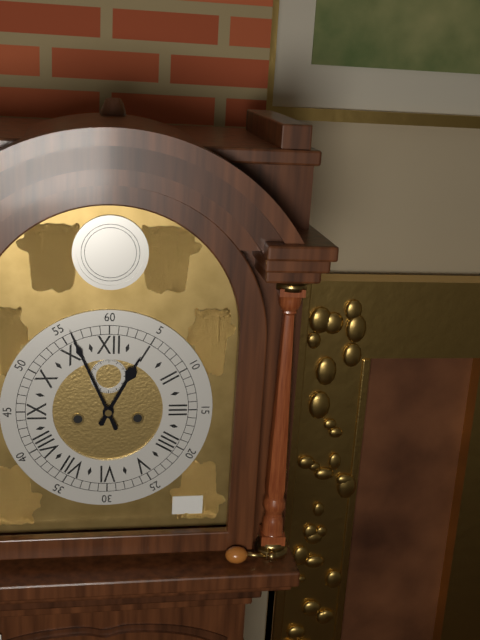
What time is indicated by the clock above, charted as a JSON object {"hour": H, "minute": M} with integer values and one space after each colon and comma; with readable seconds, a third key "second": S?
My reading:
{"hour": 12, "minute": 56}
